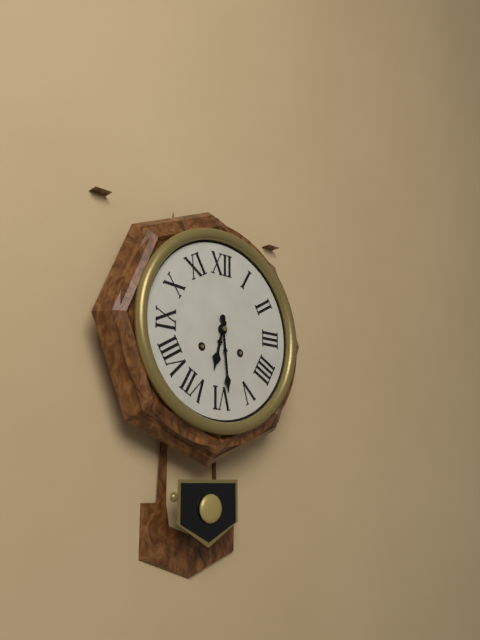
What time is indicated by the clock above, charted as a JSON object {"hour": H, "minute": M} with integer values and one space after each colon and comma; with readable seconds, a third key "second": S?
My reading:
{"hour": 6, "minute": 29}
